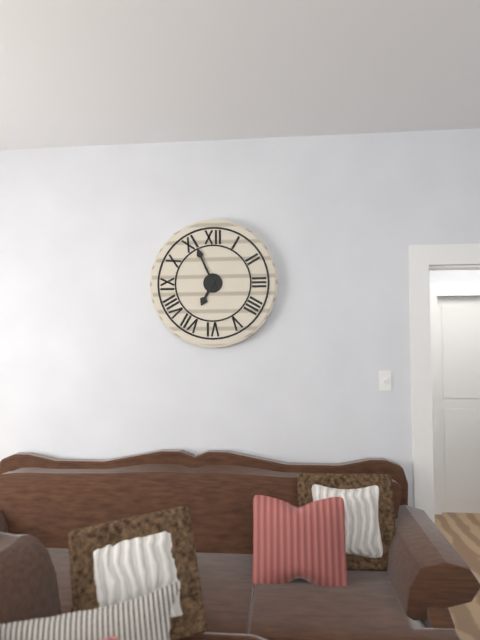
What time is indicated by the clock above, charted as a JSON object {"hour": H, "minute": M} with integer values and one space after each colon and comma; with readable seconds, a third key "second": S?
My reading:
{"hour": 6, "minute": 56}
